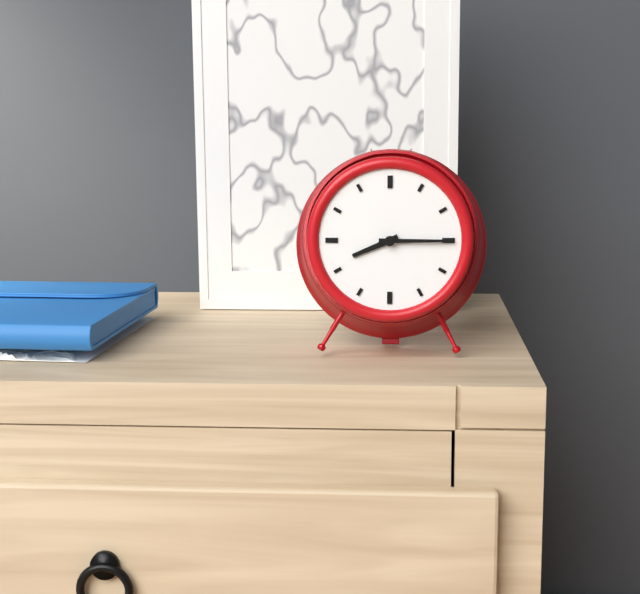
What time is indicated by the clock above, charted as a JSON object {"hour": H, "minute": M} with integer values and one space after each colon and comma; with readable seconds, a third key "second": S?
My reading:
{"hour": 8, "minute": 15}
